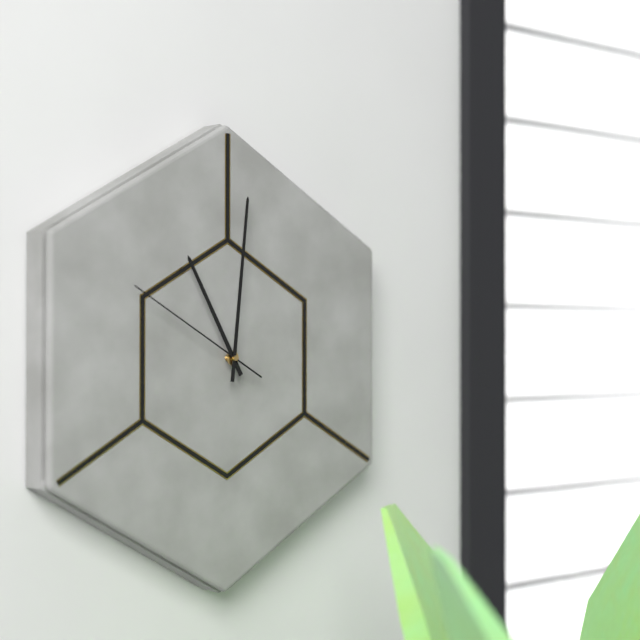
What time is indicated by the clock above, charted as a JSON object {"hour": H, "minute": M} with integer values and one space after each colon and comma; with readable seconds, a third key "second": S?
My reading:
{"hour": 11, "minute": 1, "second": 50}
